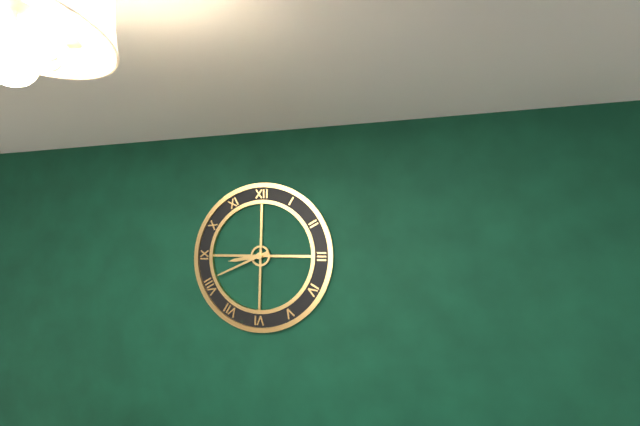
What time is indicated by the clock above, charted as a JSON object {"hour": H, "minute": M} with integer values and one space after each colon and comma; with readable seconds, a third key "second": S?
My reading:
{"hour": 8, "minute": 41}
